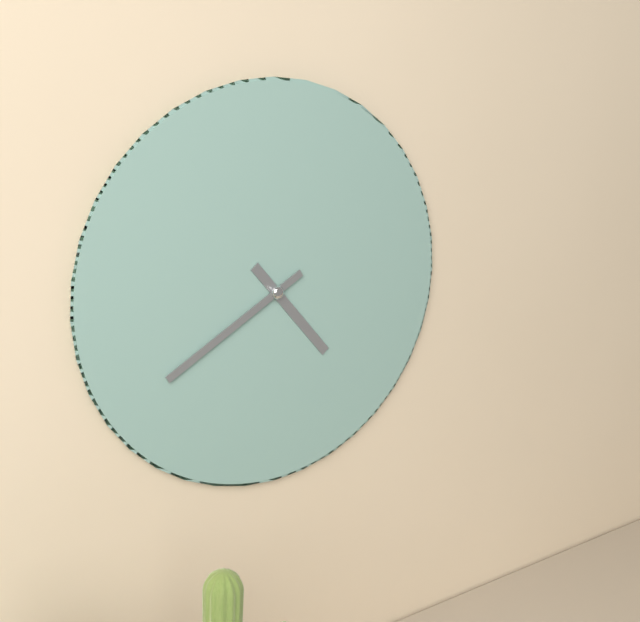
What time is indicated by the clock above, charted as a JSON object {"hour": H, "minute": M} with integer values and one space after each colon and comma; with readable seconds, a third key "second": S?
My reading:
{"hour": 4, "minute": 40}
